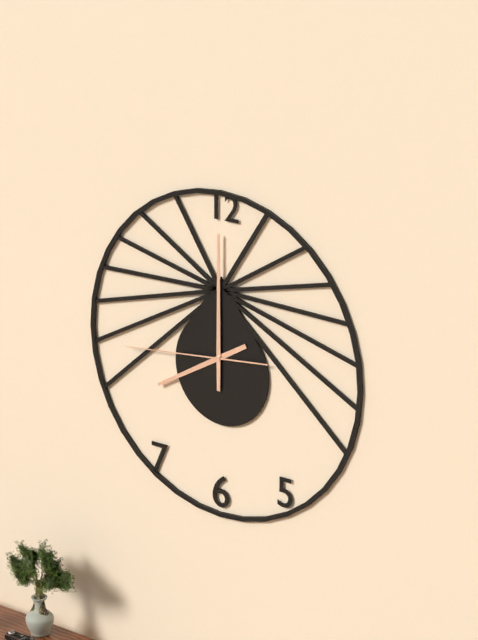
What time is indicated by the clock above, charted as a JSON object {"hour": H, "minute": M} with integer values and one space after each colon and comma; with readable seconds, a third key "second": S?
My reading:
{"hour": 8, "minute": 0, "second": 44}
